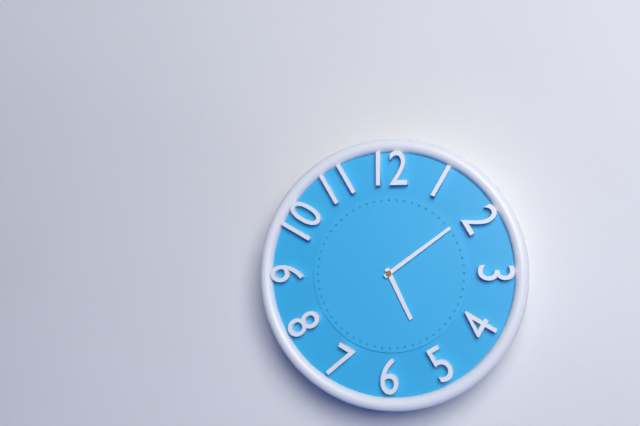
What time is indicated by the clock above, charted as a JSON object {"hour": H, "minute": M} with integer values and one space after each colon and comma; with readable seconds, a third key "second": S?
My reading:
{"hour": 5, "minute": 9}
